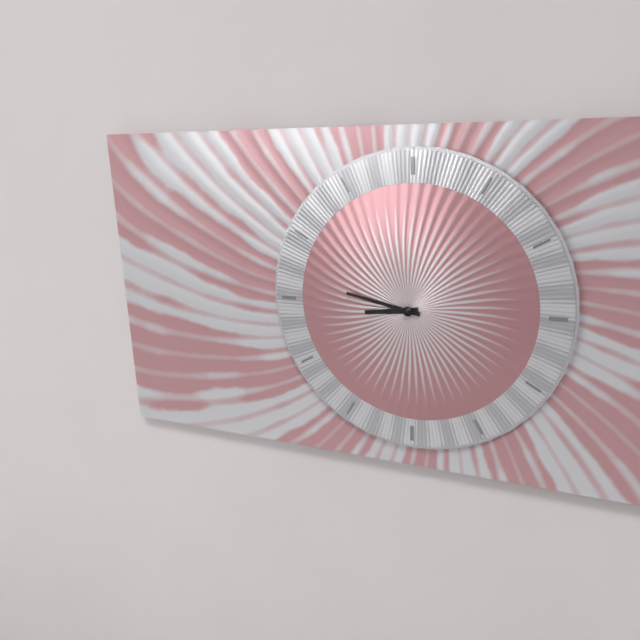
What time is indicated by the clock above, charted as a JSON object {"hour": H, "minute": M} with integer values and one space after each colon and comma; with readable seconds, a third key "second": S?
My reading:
{"hour": 8, "minute": 47}
